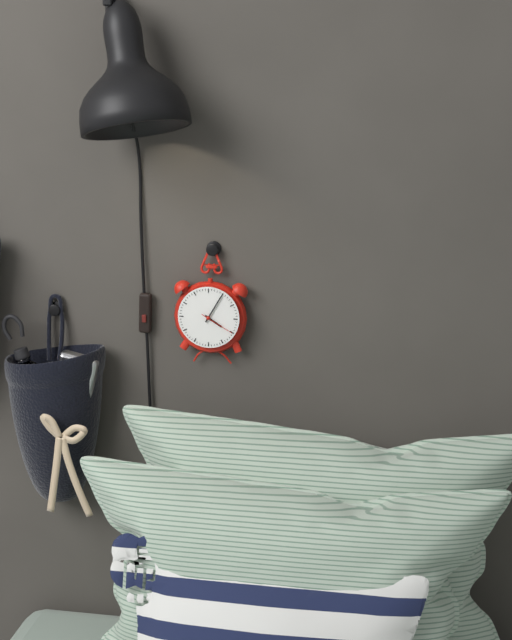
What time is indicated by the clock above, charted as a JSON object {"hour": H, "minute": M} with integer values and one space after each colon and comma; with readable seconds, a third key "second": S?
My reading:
{"hour": 4, "minute": 5}
